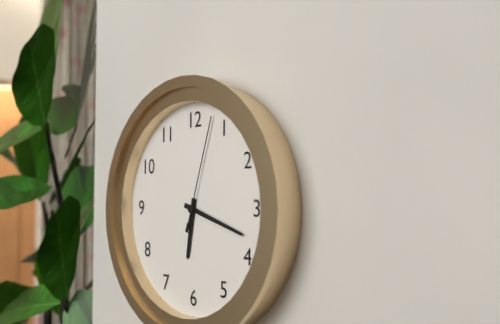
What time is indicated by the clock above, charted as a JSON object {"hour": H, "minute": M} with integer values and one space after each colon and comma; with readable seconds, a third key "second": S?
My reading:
{"hour": 6, "minute": 18, "second": 3}
